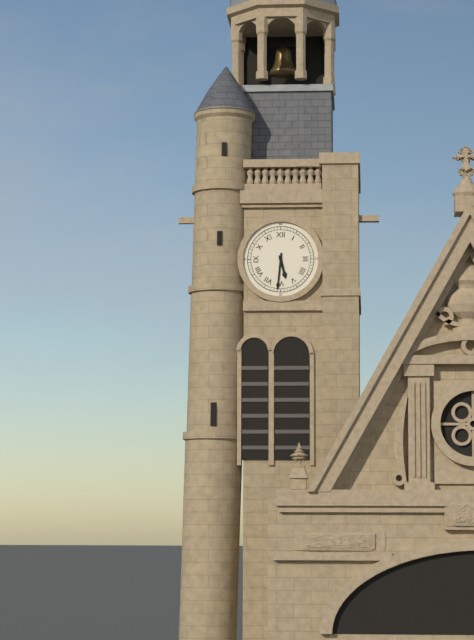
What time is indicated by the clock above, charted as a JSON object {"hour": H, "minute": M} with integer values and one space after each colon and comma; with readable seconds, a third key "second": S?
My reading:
{"hour": 5, "minute": 31}
